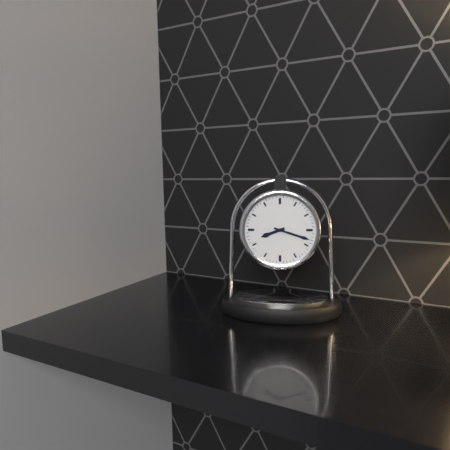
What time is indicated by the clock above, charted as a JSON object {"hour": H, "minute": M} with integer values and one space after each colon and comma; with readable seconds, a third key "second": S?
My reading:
{"hour": 8, "minute": 18}
